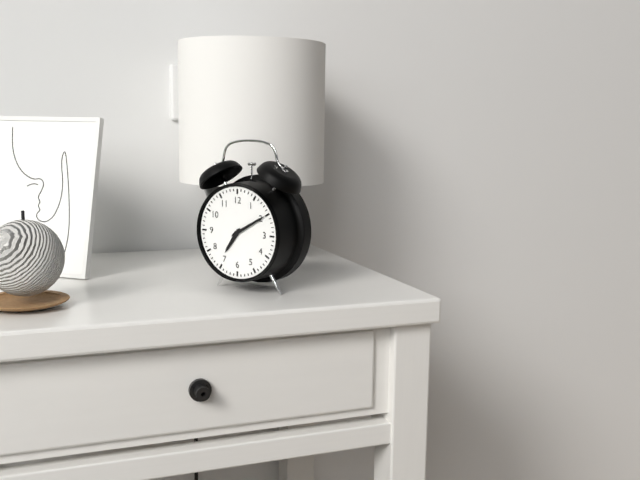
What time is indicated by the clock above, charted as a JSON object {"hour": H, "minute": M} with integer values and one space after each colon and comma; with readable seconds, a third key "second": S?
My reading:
{"hour": 7, "minute": 10}
